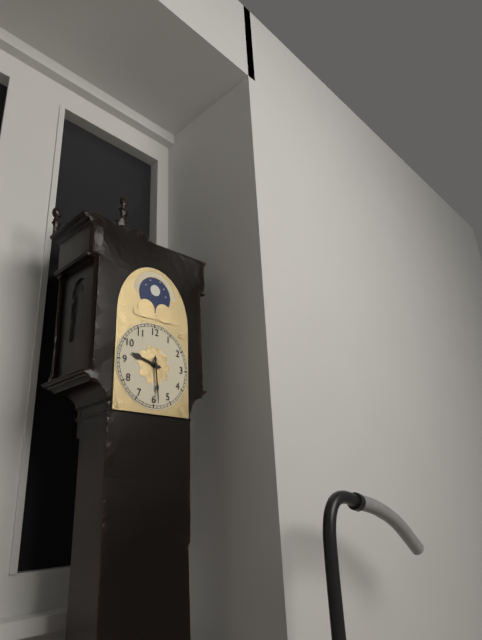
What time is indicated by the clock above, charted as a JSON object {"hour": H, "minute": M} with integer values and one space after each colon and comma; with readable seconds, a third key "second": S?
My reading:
{"hour": 9, "minute": 29}
